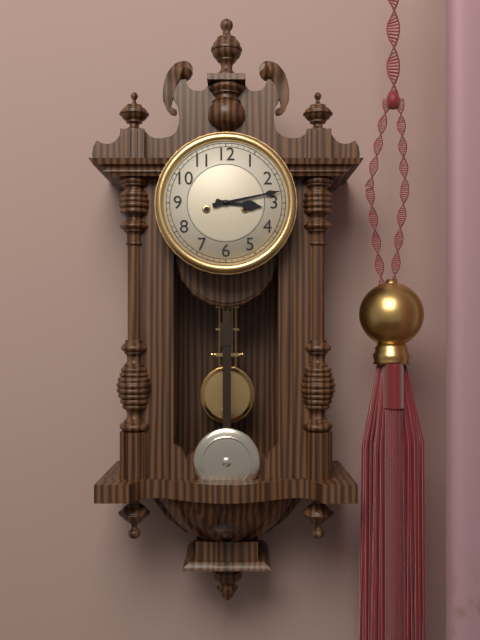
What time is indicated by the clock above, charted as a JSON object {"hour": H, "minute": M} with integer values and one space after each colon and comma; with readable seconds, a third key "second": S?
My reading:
{"hour": 3, "minute": 13}
